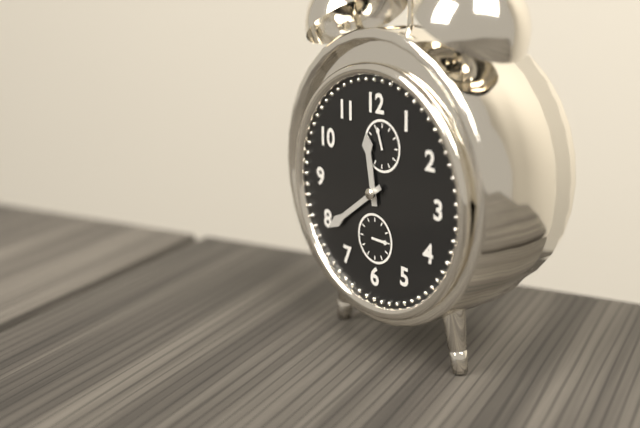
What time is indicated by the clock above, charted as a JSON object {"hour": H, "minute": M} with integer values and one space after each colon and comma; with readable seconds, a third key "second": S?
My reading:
{"hour": 11, "minute": 39}
